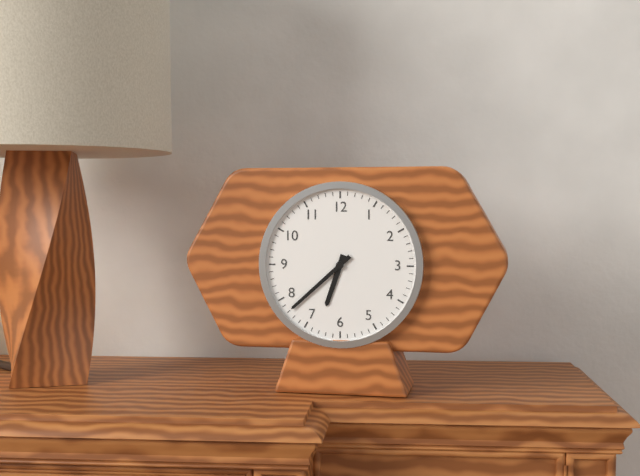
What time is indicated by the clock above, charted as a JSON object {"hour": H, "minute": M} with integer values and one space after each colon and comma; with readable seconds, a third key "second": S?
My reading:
{"hour": 6, "minute": 38}
